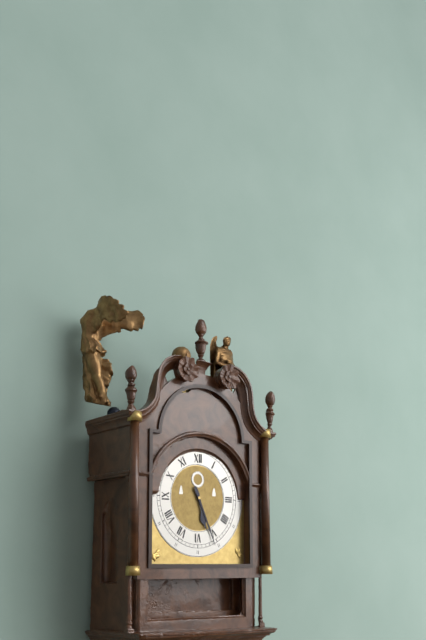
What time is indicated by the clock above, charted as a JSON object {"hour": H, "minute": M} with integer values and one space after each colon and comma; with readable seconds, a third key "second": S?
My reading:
{"hour": 5, "minute": 26}
